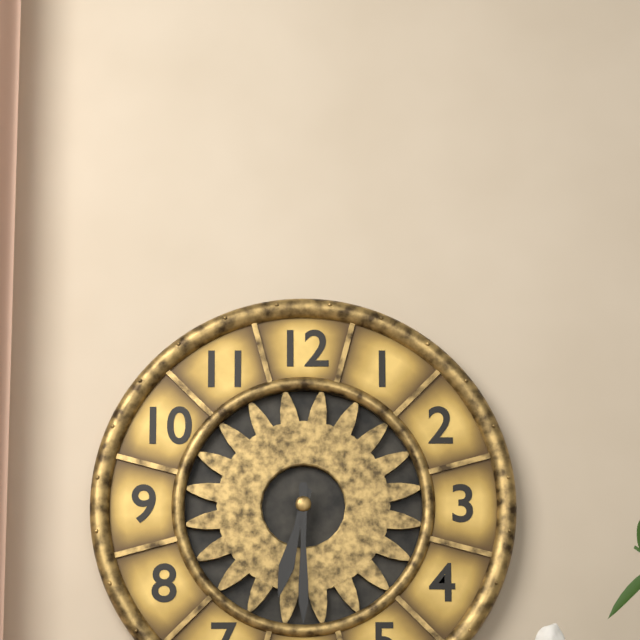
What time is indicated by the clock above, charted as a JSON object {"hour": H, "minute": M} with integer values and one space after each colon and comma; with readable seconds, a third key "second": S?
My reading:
{"hour": 6, "minute": 30}
